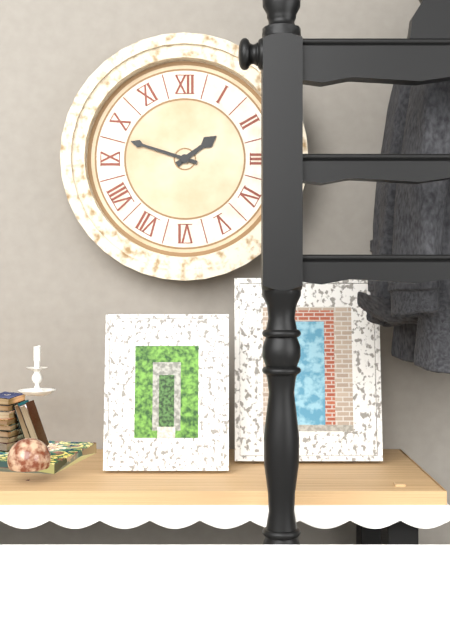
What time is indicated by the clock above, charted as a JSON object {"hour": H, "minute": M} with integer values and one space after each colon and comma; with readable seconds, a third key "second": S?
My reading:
{"hour": 1, "minute": 48}
